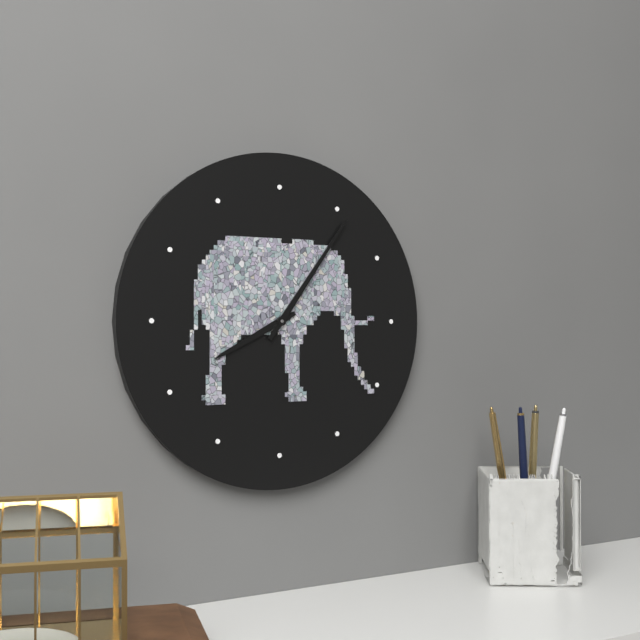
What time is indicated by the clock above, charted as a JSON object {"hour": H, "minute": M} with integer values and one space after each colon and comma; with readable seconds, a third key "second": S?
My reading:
{"hour": 8, "minute": 6}
